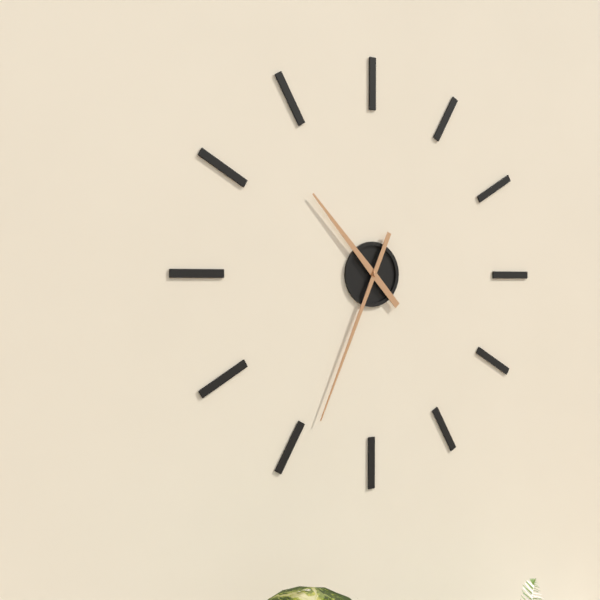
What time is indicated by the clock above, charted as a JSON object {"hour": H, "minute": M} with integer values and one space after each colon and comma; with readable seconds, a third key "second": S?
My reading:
{"hour": 10, "minute": 34}
